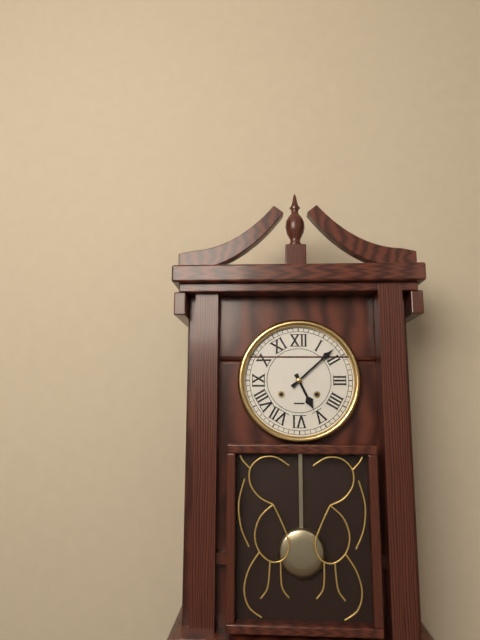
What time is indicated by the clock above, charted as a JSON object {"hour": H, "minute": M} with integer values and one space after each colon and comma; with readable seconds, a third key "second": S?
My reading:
{"hour": 5, "minute": 8}
